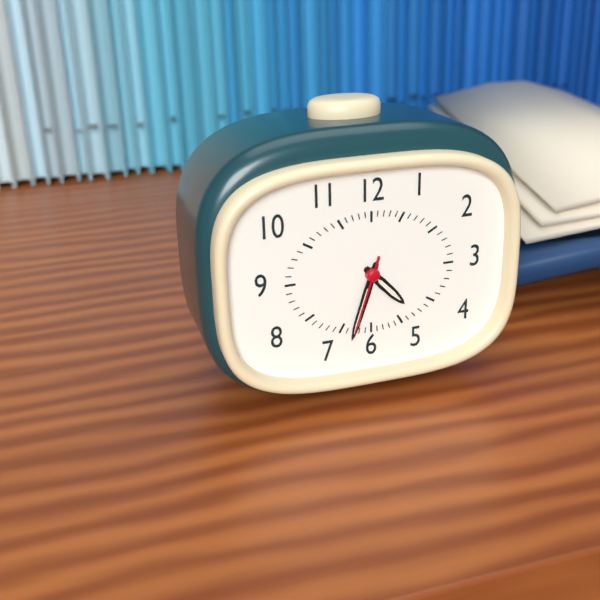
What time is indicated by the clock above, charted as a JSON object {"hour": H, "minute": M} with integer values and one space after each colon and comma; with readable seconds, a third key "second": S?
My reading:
{"hour": 4, "minute": 33, "second": 33}
